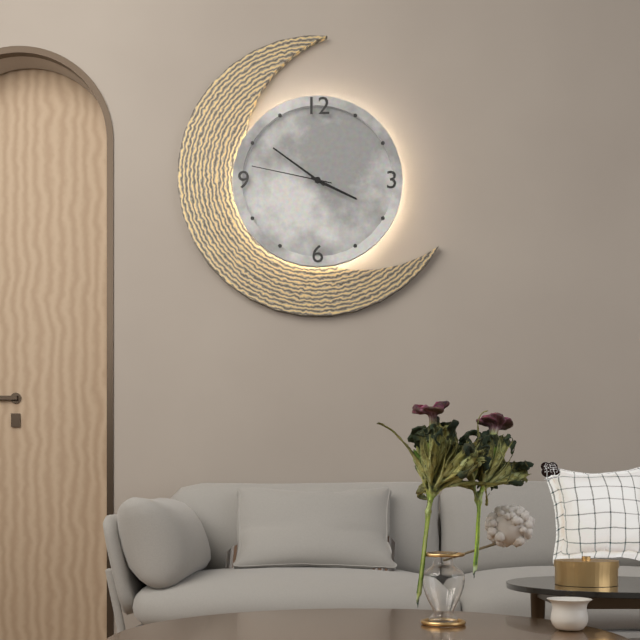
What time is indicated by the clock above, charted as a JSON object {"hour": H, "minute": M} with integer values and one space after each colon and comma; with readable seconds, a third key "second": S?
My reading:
{"hour": 3, "minute": 51, "second": 47}
